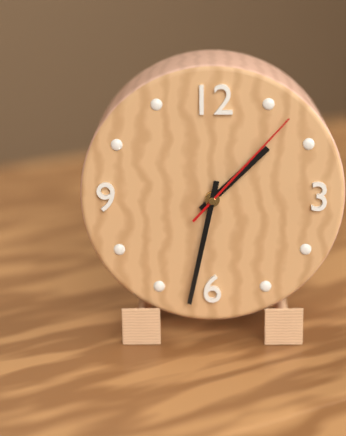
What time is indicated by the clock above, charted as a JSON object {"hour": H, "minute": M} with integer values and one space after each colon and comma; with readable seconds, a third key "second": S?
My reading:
{"hour": 1, "minute": 32, "second": 7}
